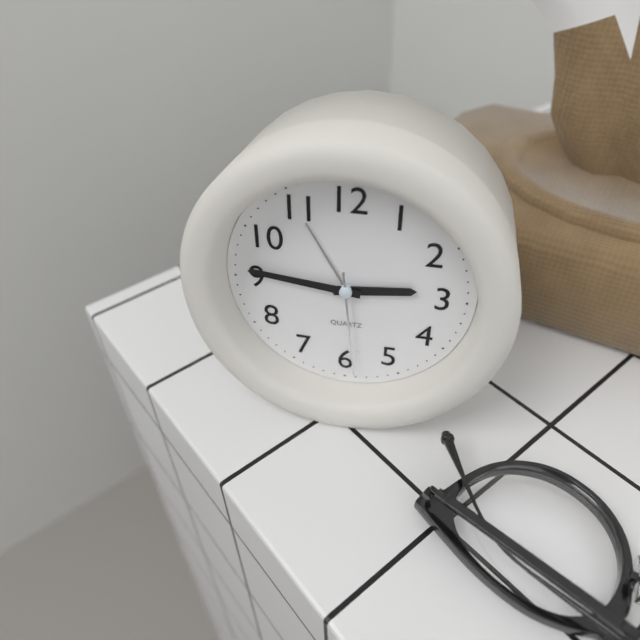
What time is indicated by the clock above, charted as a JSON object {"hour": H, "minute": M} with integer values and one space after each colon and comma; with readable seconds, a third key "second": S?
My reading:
{"hour": 2, "minute": 46, "second": 29}
